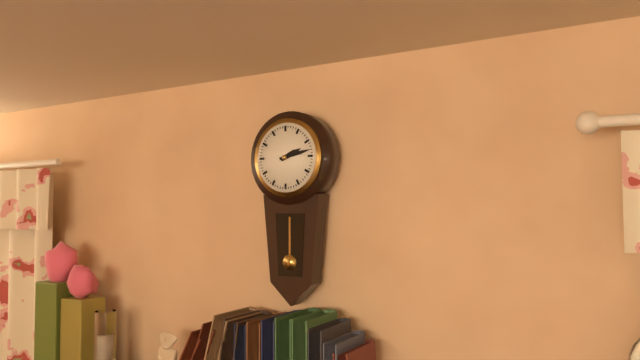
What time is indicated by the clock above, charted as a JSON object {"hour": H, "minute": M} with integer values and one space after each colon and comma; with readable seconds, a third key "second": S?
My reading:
{"hour": 2, "minute": 13}
